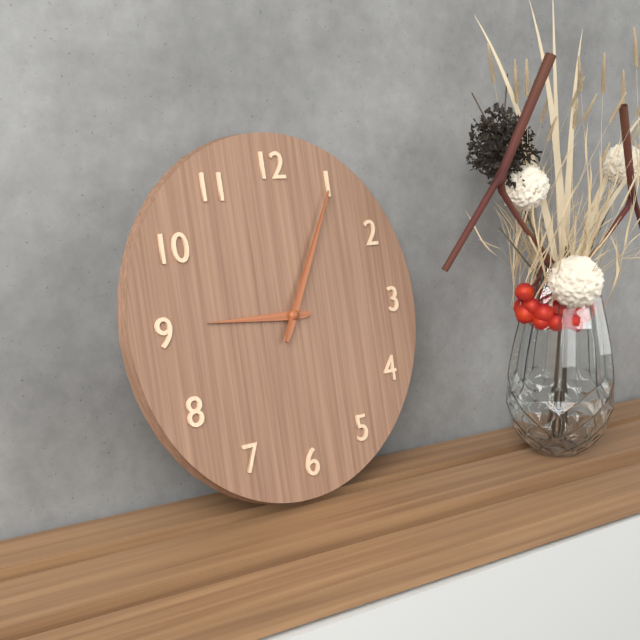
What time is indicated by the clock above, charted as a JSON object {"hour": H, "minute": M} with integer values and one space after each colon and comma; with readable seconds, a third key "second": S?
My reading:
{"hour": 9, "minute": 5}
